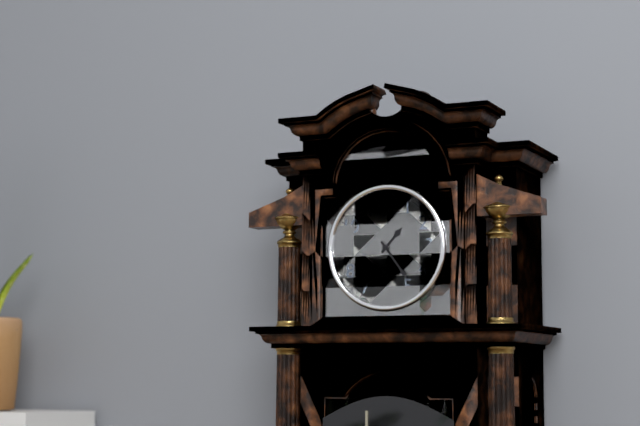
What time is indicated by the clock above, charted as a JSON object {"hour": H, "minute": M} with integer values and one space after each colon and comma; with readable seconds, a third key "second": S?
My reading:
{"hour": 1, "minute": 24}
